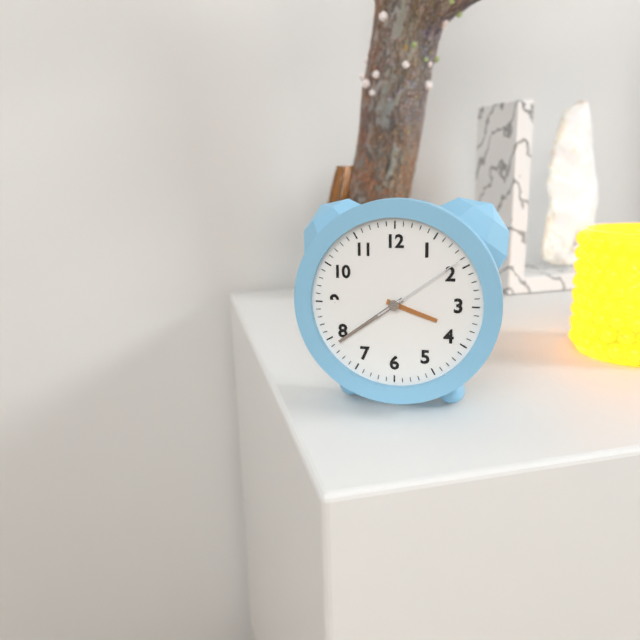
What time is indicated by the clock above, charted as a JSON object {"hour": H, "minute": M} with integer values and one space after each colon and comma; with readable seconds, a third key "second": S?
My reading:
{"hour": 3, "minute": 39, "second": 9}
